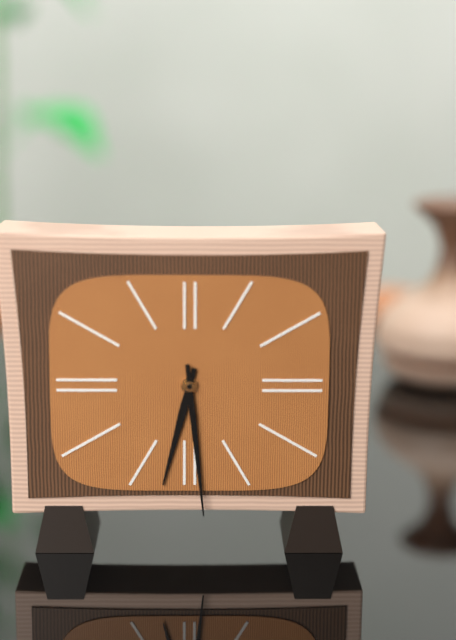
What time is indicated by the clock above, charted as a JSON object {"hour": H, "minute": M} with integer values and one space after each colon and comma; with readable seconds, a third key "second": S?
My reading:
{"hour": 6, "minute": 29}
